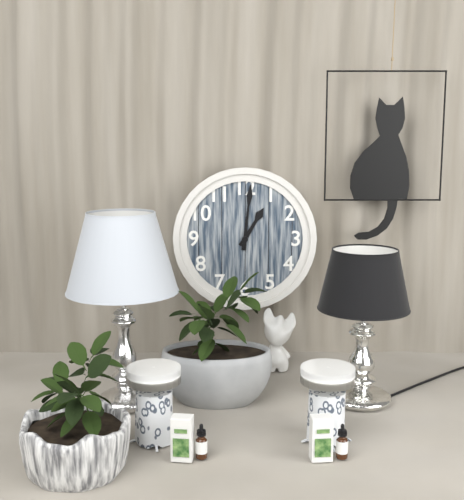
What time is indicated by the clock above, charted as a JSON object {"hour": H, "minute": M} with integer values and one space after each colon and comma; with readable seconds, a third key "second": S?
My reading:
{"hour": 1, "minute": 1}
